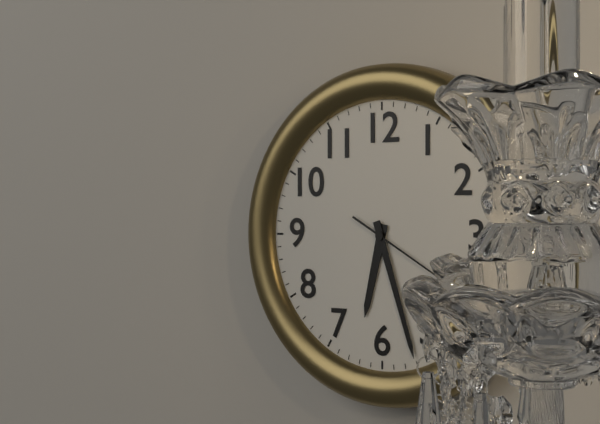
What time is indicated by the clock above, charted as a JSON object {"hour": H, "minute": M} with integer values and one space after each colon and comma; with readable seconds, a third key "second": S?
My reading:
{"hour": 6, "minute": 27, "second": 20}
